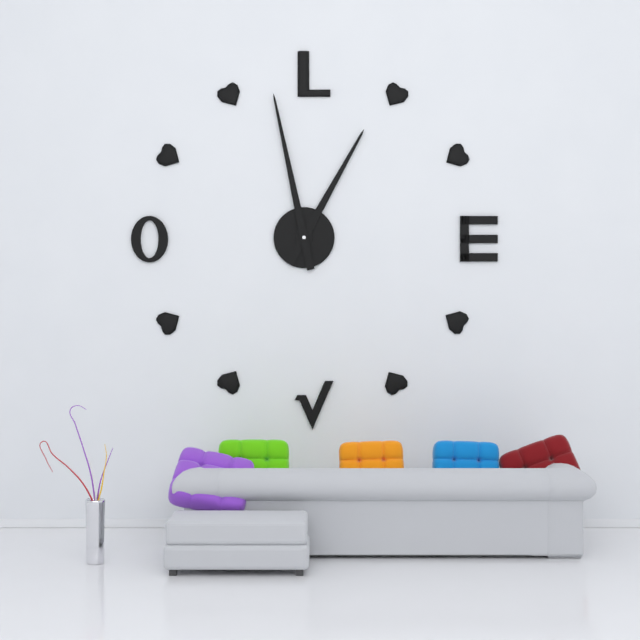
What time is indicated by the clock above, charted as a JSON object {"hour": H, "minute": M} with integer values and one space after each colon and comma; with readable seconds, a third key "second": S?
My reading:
{"hour": 12, "minute": 58}
